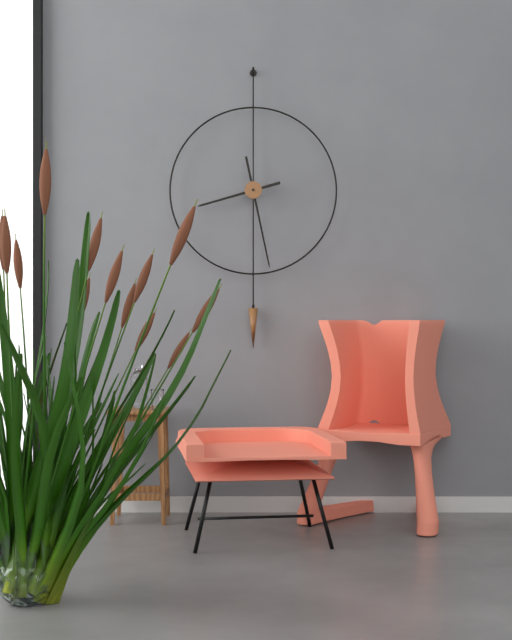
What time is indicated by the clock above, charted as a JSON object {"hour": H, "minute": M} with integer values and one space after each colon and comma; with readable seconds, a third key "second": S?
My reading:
{"hour": 8, "minute": 28}
